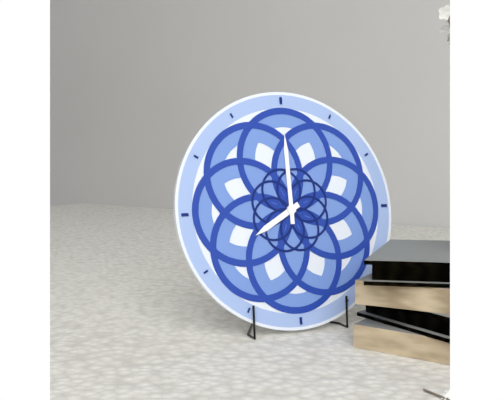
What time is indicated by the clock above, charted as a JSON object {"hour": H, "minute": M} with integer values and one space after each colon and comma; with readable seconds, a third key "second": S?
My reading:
{"hour": 8, "minute": 0}
